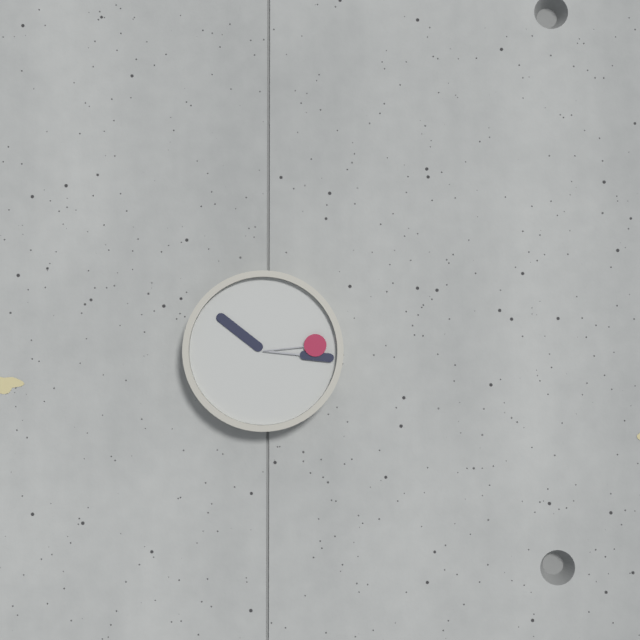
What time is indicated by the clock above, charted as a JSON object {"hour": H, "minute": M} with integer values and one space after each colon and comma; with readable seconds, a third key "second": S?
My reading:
{"hour": 10, "minute": 16, "second": 14}
